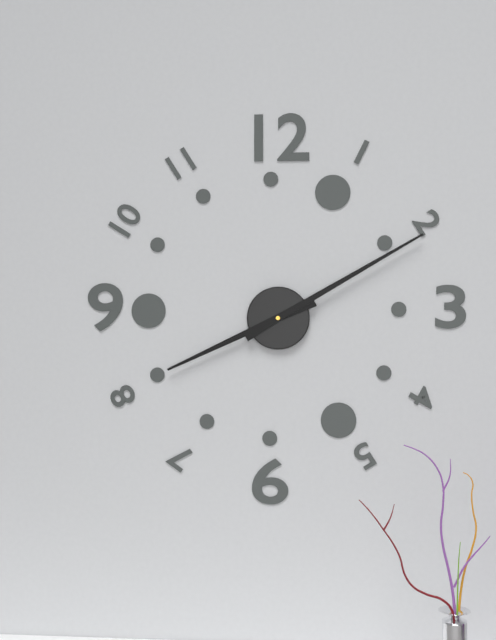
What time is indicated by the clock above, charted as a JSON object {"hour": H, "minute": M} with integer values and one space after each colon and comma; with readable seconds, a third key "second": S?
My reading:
{"hour": 8, "minute": 10}
